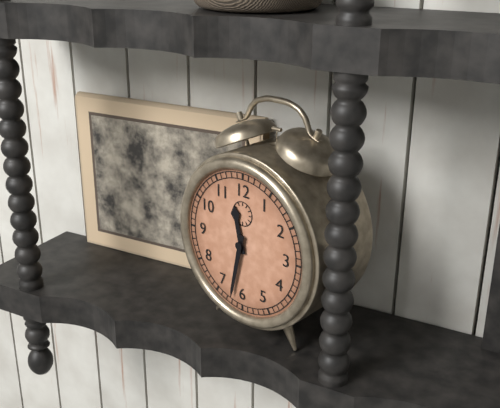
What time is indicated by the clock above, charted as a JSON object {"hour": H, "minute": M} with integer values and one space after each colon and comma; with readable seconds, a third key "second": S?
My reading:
{"hour": 11, "minute": 32}
